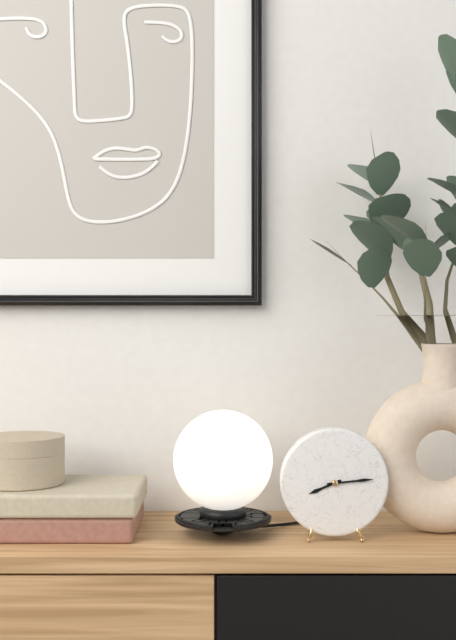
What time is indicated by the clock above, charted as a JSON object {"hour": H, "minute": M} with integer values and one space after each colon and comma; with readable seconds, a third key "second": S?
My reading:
{"hour": 8, "minute": 14}
